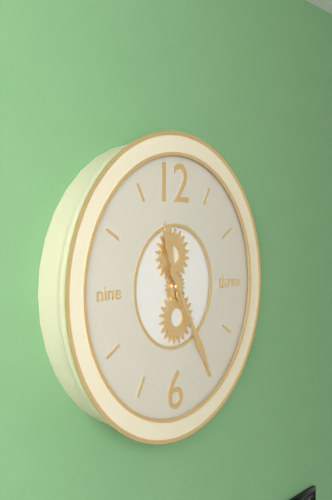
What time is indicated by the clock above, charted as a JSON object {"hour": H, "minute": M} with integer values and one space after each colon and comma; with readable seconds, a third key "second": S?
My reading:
{"hour": 11, "minute": 25}
